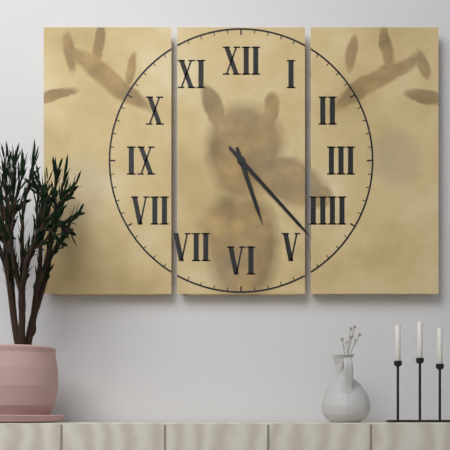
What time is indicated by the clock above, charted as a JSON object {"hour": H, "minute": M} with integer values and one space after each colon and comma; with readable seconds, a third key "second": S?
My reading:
{"hour": 5, "minute": 23}
